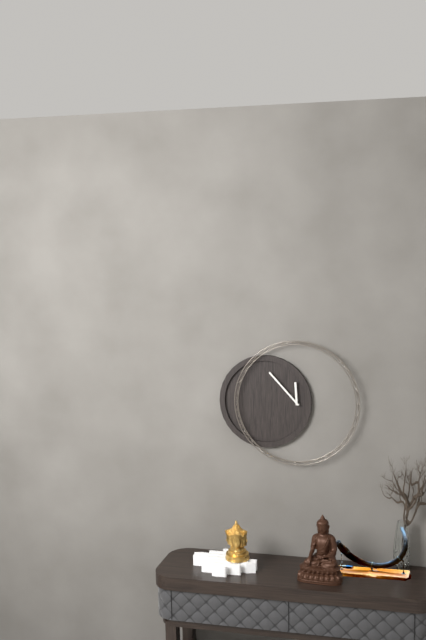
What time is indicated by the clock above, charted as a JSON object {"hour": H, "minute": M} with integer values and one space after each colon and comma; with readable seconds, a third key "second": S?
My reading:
{"hour": 11, "minute": 53}
